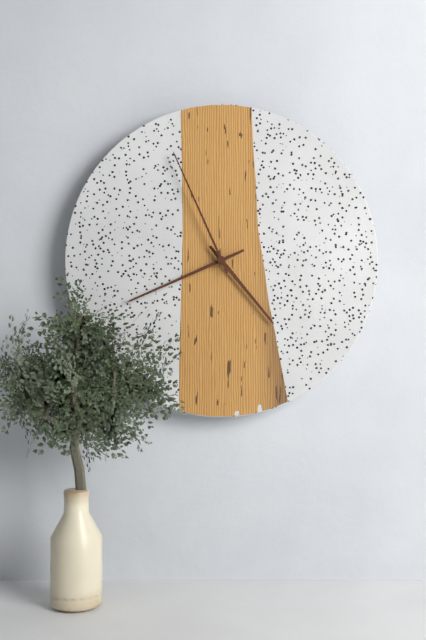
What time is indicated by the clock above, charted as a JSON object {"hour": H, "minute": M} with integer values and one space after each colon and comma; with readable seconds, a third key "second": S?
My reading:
{"hour": 4, "minute": 41, "second": 56}
